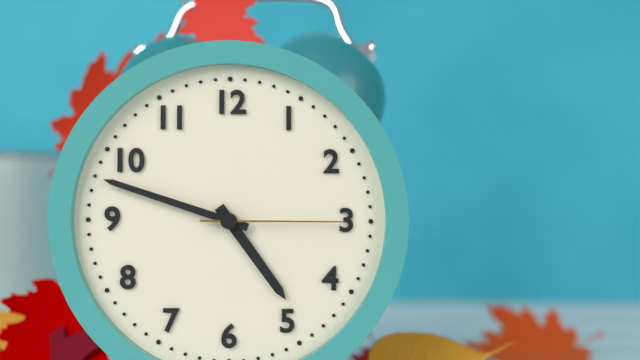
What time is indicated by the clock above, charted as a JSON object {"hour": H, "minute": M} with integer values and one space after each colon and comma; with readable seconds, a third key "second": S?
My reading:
{"hour": 4, "minute": 48, "second": 15}
